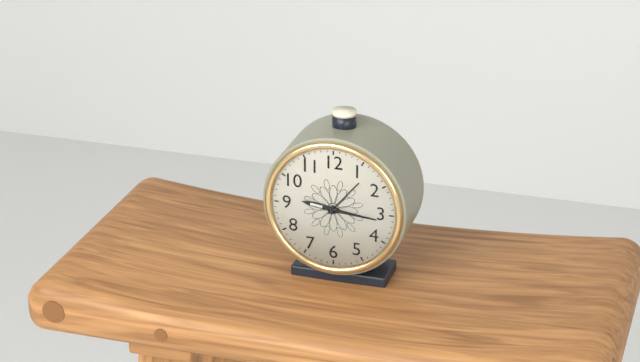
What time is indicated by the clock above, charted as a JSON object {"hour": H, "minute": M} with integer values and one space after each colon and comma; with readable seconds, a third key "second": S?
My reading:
{"hour": 9, "minute": 16}
